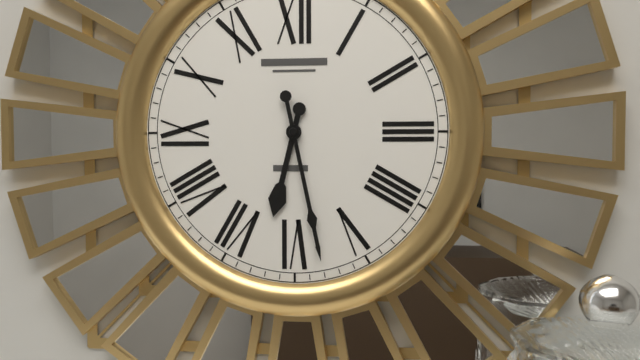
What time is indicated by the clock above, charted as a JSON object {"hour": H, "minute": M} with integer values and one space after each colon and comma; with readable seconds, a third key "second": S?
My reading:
{"hour": 6, "minute": 28}
